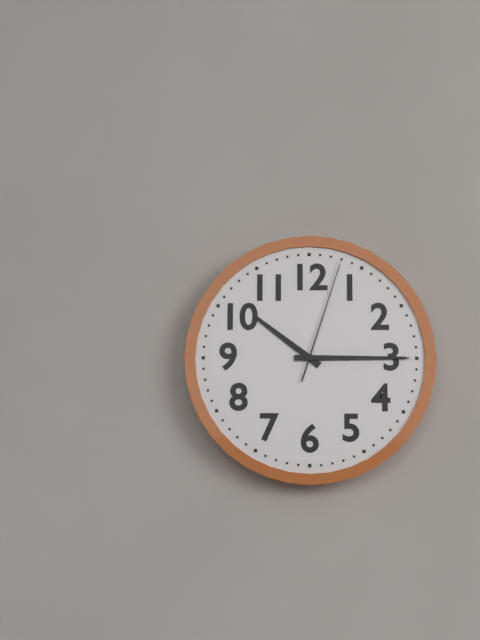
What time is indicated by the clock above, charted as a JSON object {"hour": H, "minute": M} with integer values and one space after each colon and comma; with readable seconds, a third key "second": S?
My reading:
{"hour": 10, "minute": 15, "second": 3}
